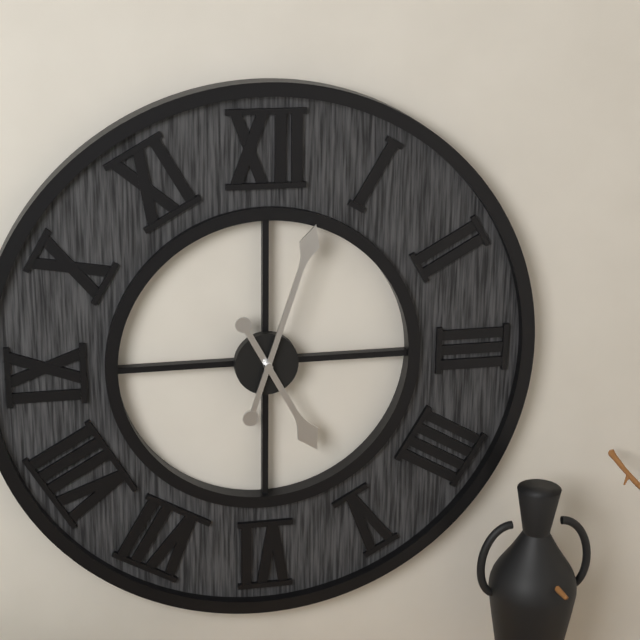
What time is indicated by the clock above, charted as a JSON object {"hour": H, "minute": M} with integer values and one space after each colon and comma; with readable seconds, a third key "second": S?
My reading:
{"hour": 5, "minute": 3}
